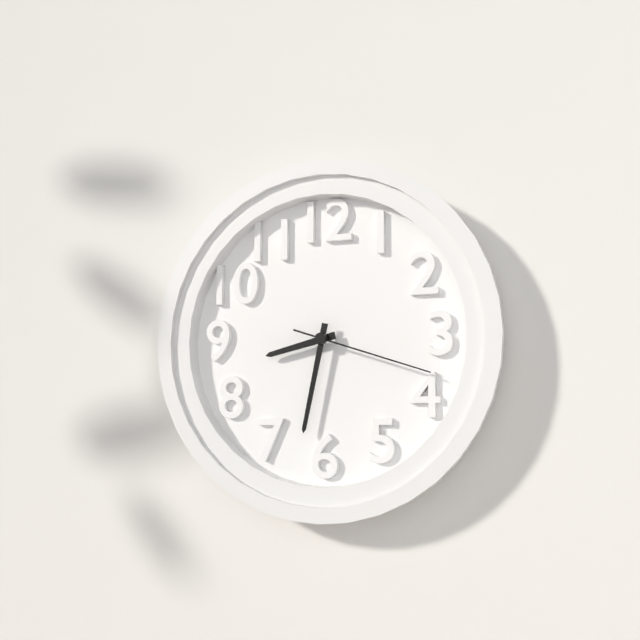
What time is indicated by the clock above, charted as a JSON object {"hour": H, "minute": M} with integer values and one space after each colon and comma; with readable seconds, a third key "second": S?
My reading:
{"hour": 8, "minute": 32, "second": 18}
